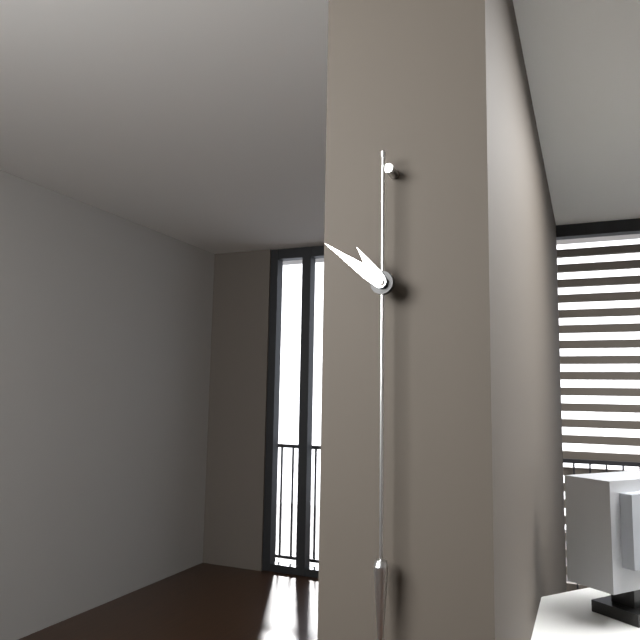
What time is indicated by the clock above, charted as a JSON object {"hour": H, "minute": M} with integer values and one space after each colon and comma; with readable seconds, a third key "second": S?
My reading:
{"hour": 10, "minute": 51}
